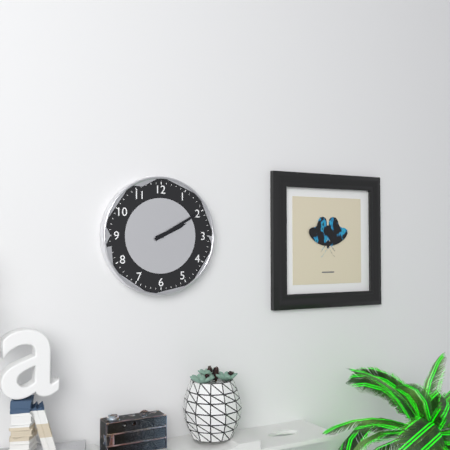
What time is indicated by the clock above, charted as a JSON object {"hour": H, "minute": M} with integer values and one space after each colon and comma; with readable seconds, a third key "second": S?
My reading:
{"hour": 2, "minute": 10}
